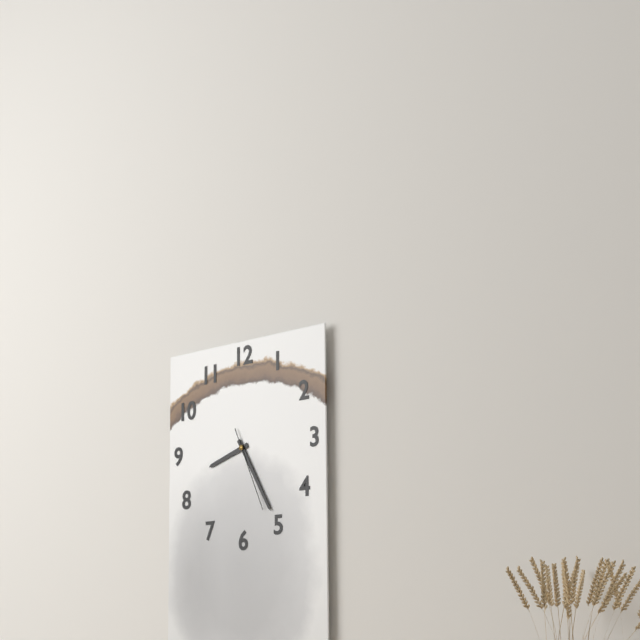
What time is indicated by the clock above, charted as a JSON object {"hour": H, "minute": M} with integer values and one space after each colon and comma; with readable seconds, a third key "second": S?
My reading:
{"hour": 8, "minute": 25, "second": 26}
